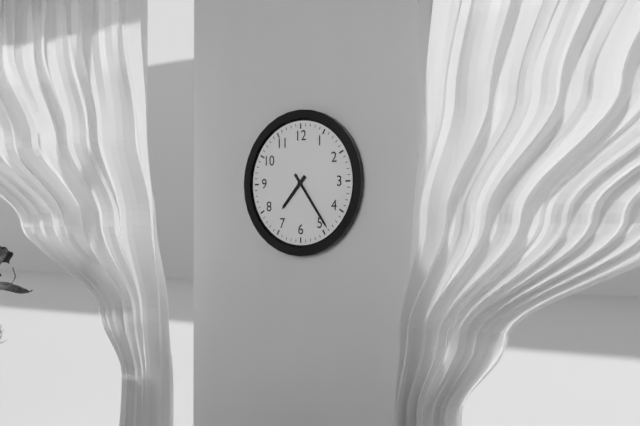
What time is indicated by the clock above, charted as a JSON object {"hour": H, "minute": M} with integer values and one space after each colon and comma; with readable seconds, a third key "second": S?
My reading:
{"hour": 7, "minute": 24}
